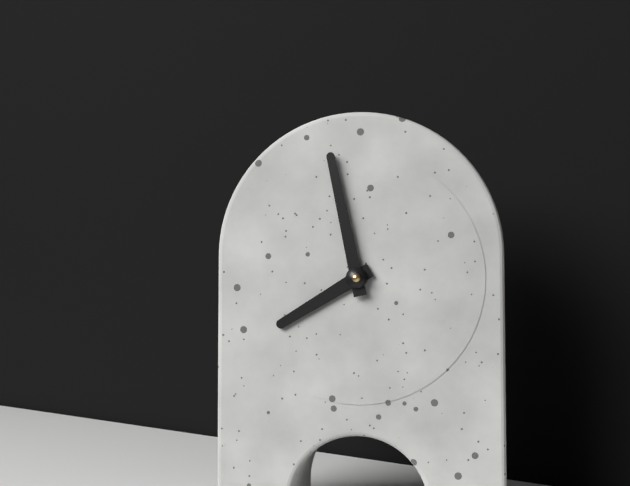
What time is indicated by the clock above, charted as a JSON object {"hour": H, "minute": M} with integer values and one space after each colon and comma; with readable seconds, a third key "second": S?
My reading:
{"hour": 7, "minute": 58}
